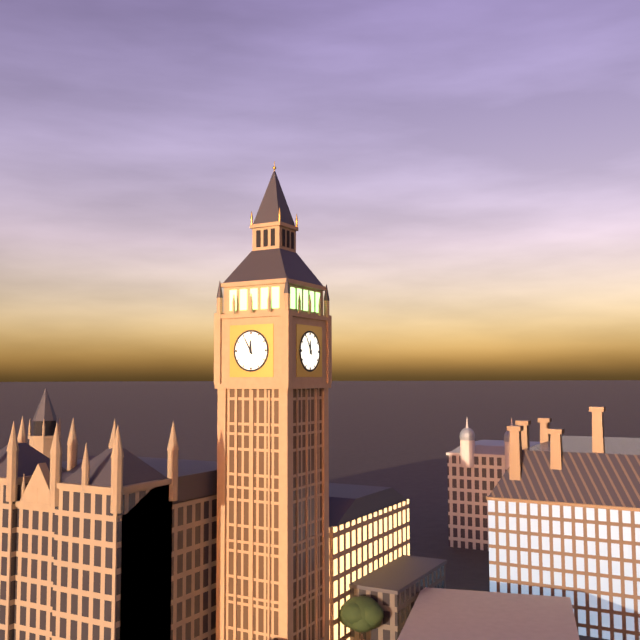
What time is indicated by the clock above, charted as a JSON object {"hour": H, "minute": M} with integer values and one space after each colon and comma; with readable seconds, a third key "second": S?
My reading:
{"hour": 11, "minute": 55}
